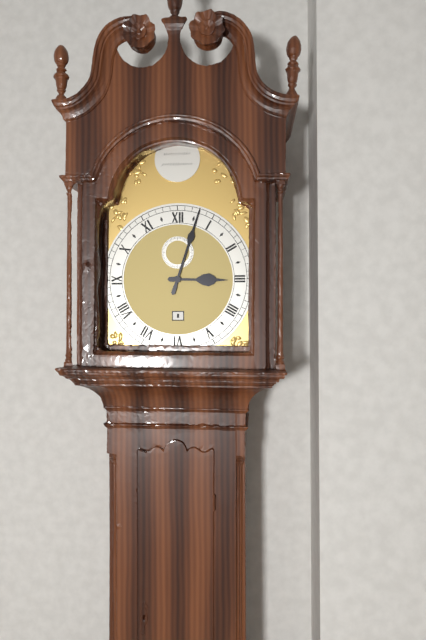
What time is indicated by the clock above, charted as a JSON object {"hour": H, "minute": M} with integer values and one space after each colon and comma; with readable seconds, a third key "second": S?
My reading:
{"hour": 3, "minute": 3}
